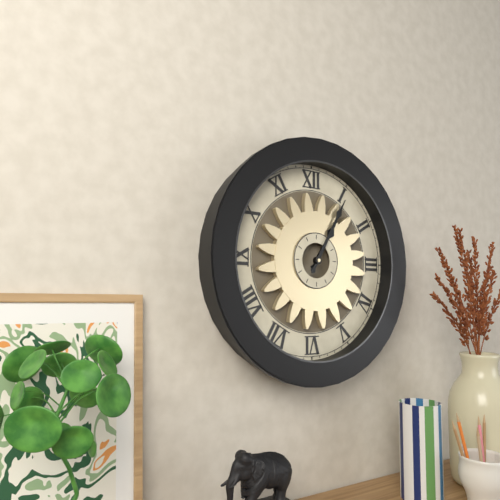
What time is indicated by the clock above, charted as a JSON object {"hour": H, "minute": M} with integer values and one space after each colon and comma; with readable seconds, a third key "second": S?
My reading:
{"hour": 1, "minute": 5}
